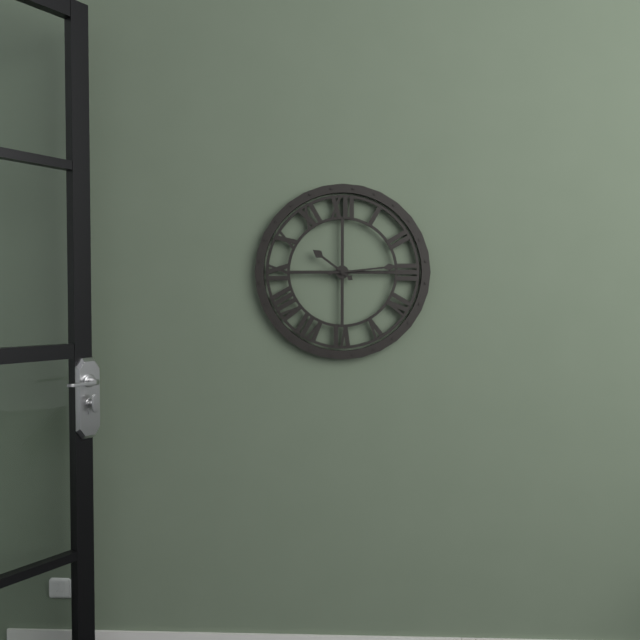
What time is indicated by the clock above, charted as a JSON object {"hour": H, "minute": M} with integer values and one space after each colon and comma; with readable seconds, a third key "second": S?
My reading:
{"hour": 10, "minute": 14}
